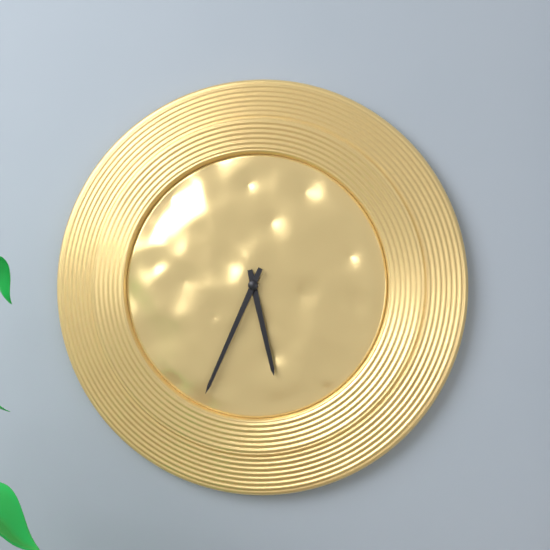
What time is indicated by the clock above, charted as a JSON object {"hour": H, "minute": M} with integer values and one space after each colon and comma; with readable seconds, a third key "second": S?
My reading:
{"hour": 5, "minute": 34}
